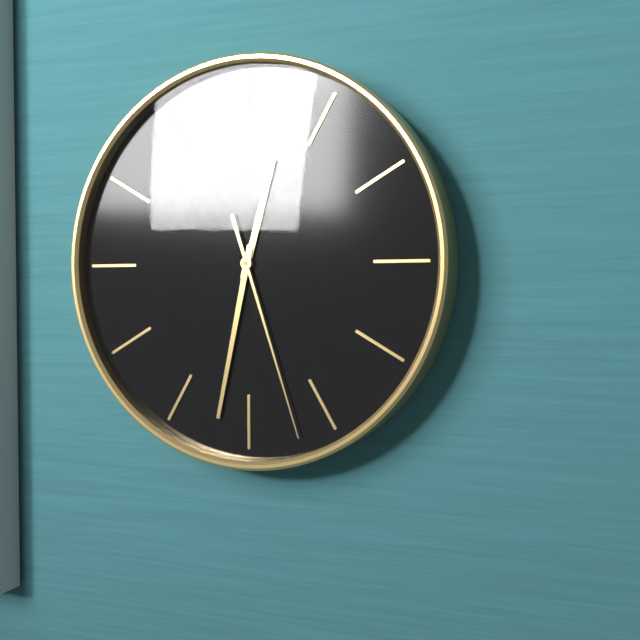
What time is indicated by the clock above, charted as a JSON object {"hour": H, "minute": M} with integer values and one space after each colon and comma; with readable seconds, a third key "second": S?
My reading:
{"hour": 12, "minute": 32, "second": 27}
